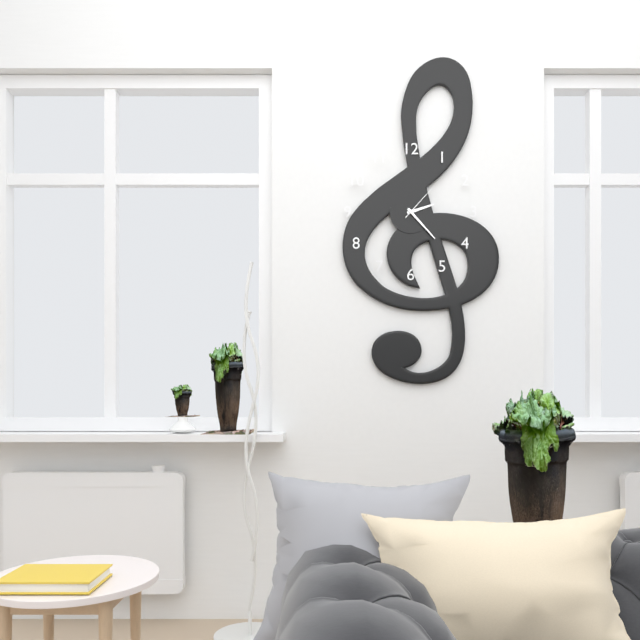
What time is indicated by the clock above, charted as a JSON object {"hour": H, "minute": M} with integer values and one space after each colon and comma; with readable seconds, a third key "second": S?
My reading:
{"hour": 2, "minute": 23}
